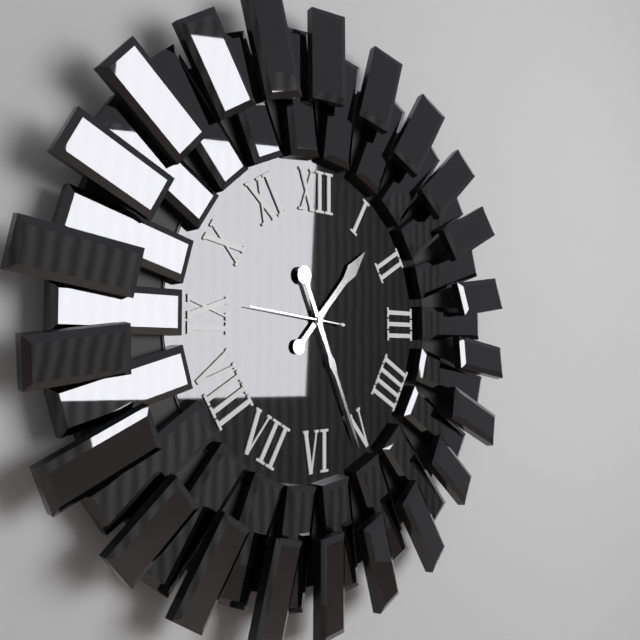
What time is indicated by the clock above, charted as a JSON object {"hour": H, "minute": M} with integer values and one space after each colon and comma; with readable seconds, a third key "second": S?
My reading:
{"hour": 1, "minute": 26, "second": 46}
